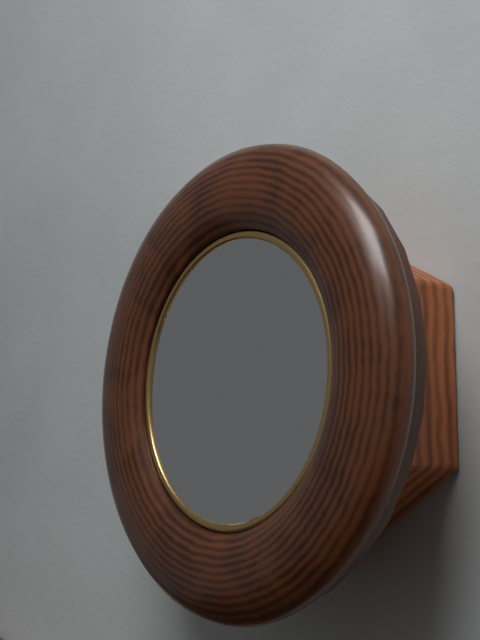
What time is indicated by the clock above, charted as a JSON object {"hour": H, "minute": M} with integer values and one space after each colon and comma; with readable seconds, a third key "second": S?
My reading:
{"hour": 4, "minute": 30}
